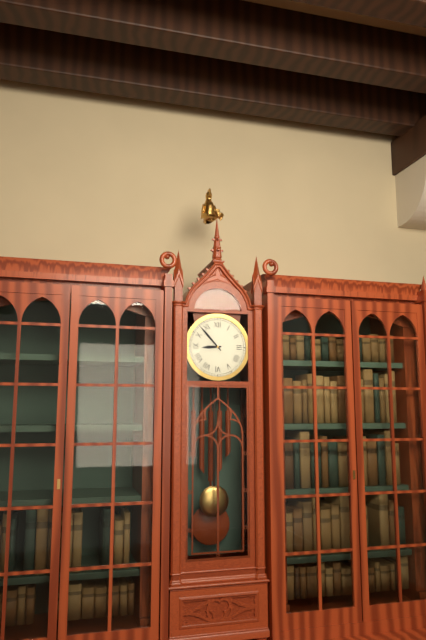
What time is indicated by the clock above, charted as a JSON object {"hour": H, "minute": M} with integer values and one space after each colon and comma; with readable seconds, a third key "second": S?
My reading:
{"hour": 8, "minute": 53}
